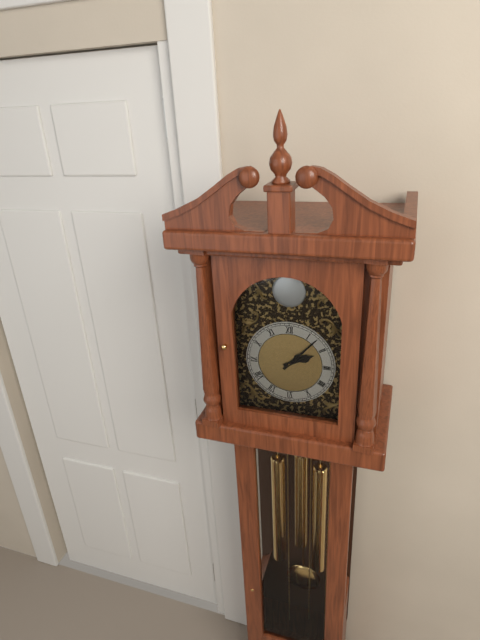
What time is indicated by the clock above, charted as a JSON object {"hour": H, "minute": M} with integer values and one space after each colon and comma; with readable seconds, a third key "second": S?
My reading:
{"hour": 2, "minute": 7}
